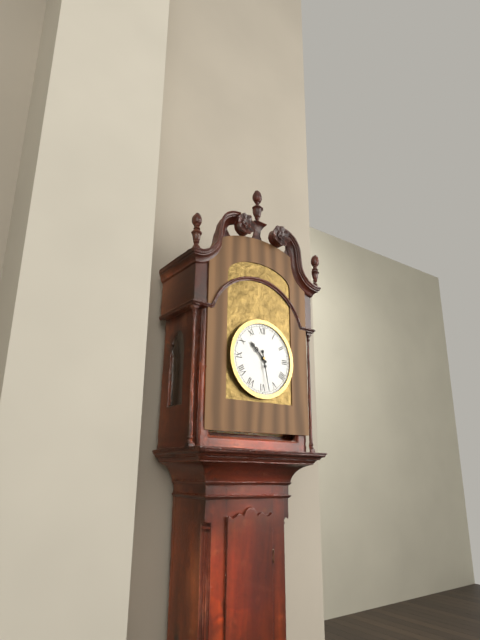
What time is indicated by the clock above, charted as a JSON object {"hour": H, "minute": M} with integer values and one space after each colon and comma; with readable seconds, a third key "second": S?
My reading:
{"hour": 10, "minute": 28}
